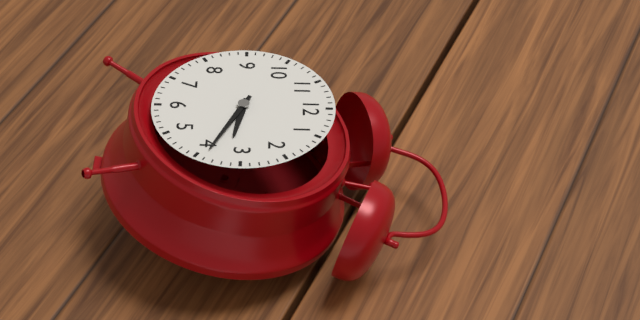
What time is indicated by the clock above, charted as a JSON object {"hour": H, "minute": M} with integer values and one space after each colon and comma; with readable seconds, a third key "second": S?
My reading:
{"hour": 3, "minute": 19}
